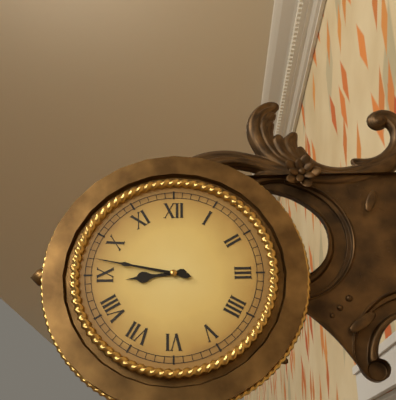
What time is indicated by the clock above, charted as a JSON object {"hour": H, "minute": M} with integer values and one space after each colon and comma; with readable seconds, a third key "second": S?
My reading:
{"hour": 8, "minute": 47}
